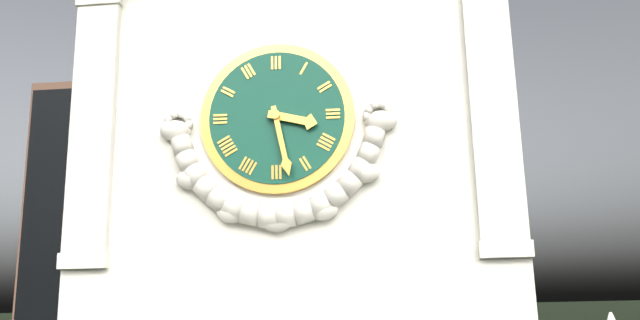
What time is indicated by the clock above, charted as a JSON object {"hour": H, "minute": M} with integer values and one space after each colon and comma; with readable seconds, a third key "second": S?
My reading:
{"hour": 3, "minute": 28}
